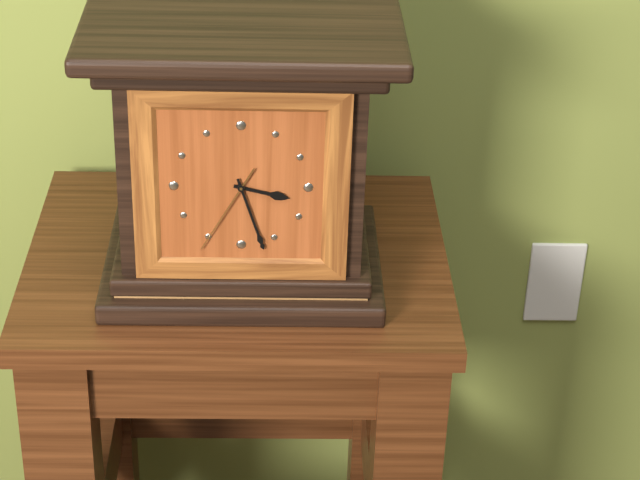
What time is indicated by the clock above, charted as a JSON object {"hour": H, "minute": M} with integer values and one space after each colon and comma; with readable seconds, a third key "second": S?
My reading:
{"hour": 3, "minute": 27, "second": 35}
